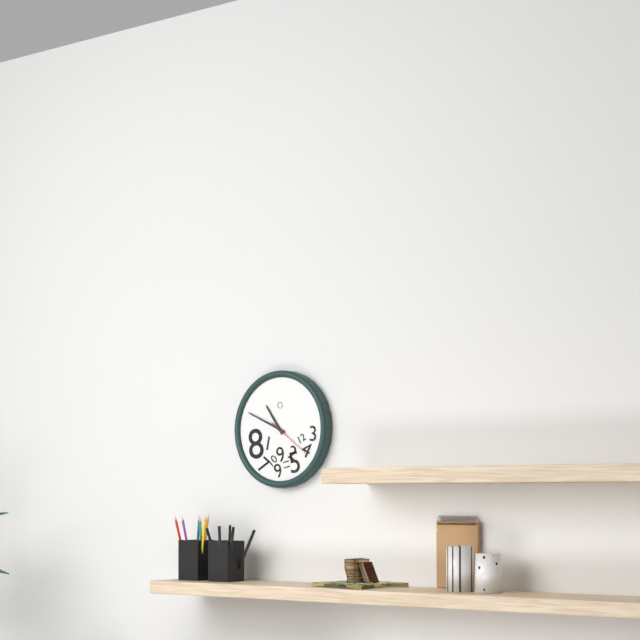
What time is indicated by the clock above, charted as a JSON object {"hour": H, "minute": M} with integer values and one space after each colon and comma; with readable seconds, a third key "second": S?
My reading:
{"hour": 10, "minute": 49}
